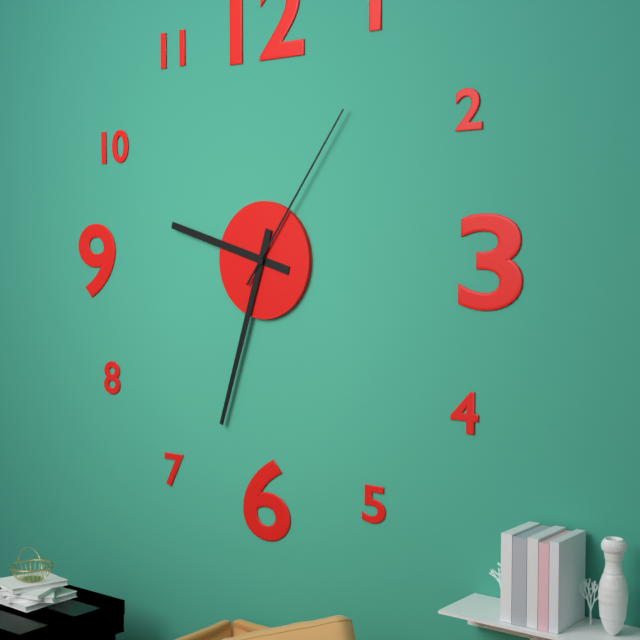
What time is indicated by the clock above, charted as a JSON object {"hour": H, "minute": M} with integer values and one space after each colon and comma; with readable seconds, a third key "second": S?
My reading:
{"hour": 9, "minute": 33, "second": 6}
